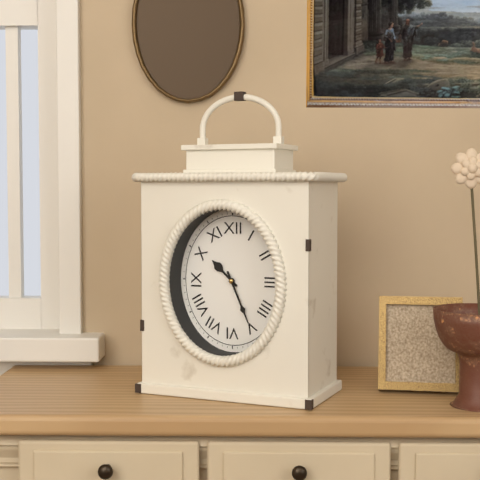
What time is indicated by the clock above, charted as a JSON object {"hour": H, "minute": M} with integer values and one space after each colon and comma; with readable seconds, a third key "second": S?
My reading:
{"hour": 10, "minute": 26}
